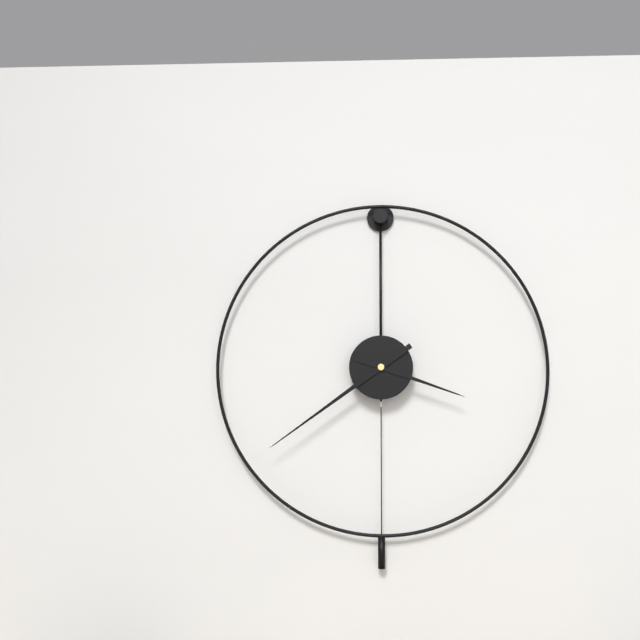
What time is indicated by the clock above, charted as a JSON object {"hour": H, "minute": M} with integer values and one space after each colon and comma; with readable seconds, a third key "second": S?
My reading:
{"hour": 3, "minute": 39}
